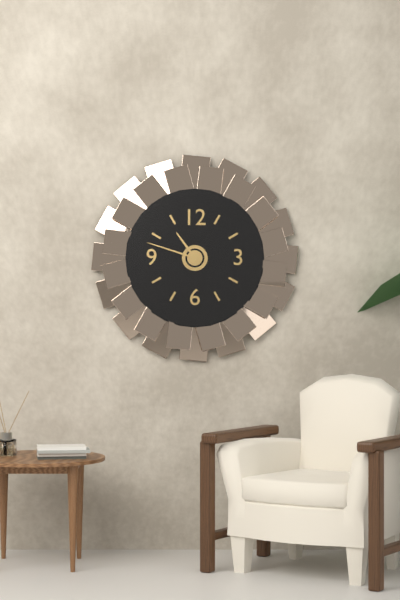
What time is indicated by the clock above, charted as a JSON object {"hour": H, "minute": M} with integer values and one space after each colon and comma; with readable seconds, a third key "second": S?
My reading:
{"hour": 10, "minute": 48}
